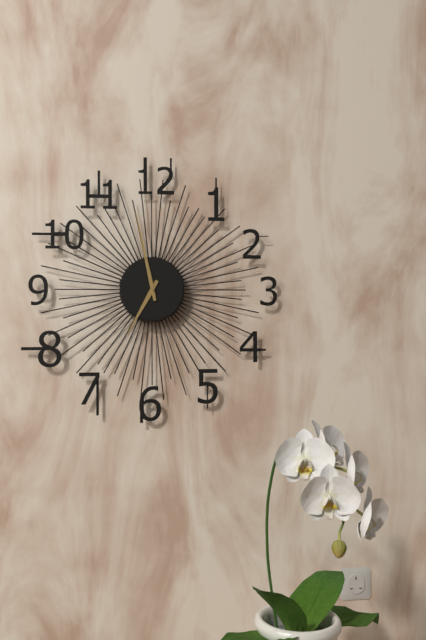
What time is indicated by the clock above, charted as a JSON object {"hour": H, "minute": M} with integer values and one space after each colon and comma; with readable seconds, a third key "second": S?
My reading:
{"hour": 6, "minute": 58}
